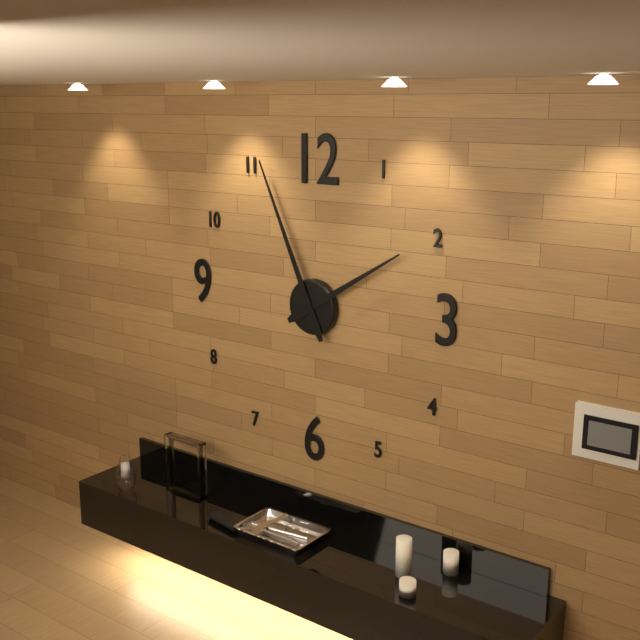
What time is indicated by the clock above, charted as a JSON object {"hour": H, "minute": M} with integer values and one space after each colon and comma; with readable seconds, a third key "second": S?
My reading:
{"hour": 1, "minute": 56}
